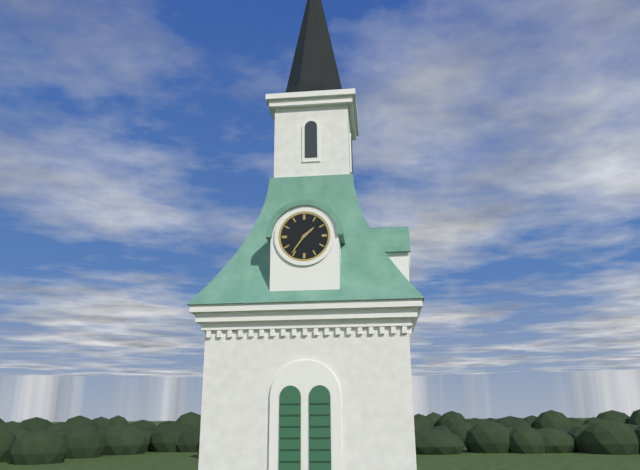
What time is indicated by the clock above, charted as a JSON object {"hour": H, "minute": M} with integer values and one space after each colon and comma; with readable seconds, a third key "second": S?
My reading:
{"hour": 1, "minute": 36}
